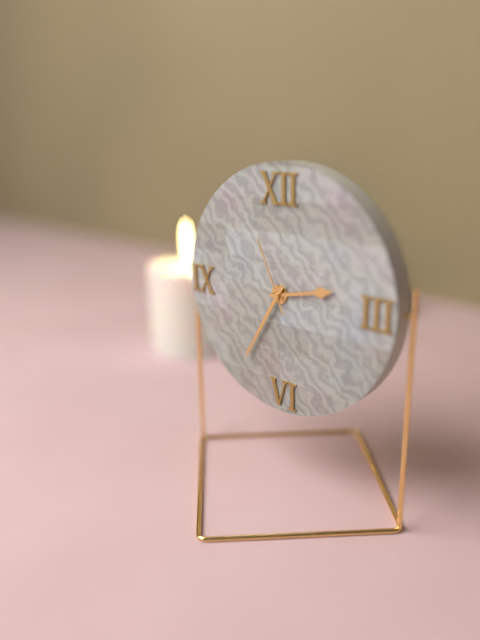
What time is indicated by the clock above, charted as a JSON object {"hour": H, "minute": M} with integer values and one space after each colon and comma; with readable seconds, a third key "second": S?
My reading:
{"hour": 2, "minute": 35, "second": 56}
